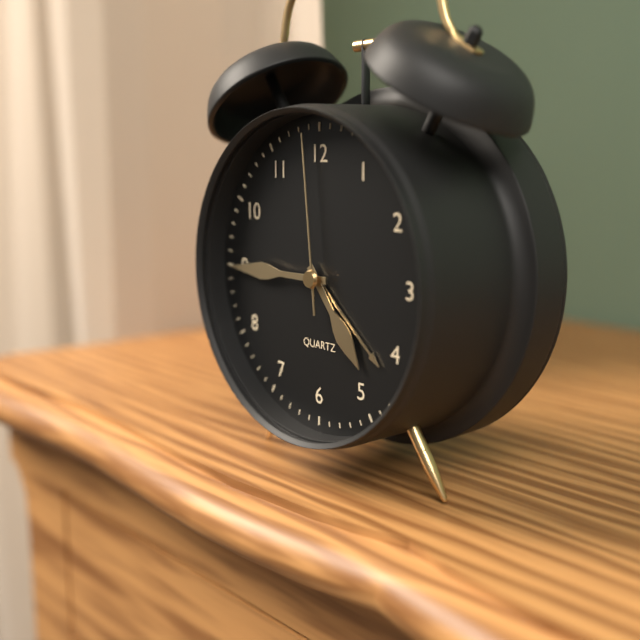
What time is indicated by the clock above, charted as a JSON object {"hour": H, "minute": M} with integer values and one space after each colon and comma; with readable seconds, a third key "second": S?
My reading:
{"hour": 4, "minute": 45, "second": 59}
